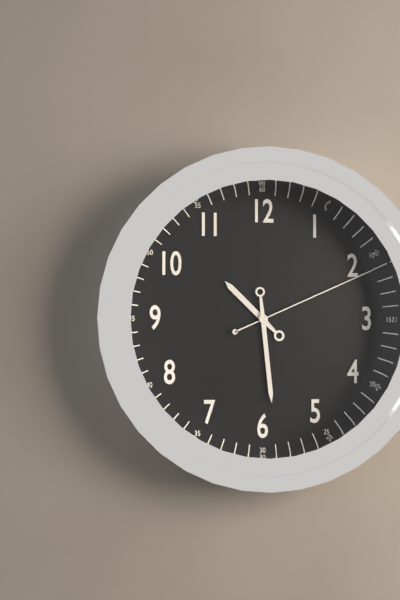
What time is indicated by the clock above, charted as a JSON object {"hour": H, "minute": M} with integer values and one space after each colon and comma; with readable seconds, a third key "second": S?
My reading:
{"hour": 10, "minute": 29, "second": 11}
